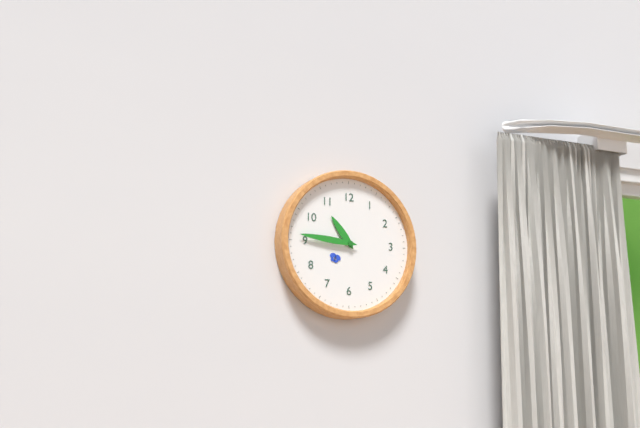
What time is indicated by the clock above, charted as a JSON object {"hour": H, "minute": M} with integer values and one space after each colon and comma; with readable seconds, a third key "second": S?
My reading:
{"hour": 10, "minute": 46}
